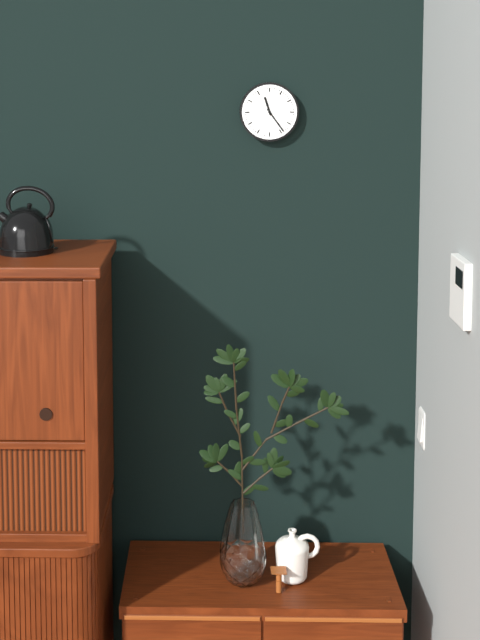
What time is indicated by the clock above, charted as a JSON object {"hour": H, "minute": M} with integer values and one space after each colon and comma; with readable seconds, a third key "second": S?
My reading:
{"hour": 11, "minute": 24}
